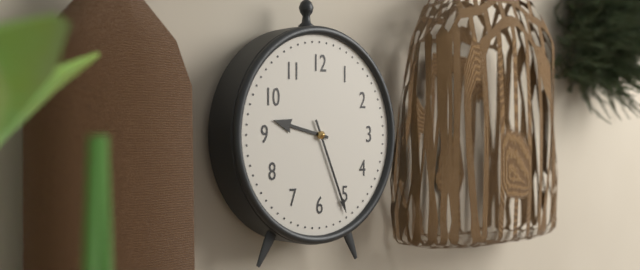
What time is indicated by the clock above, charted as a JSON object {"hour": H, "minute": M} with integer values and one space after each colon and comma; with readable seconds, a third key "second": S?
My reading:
{"hour": 9, "minute": 26}
